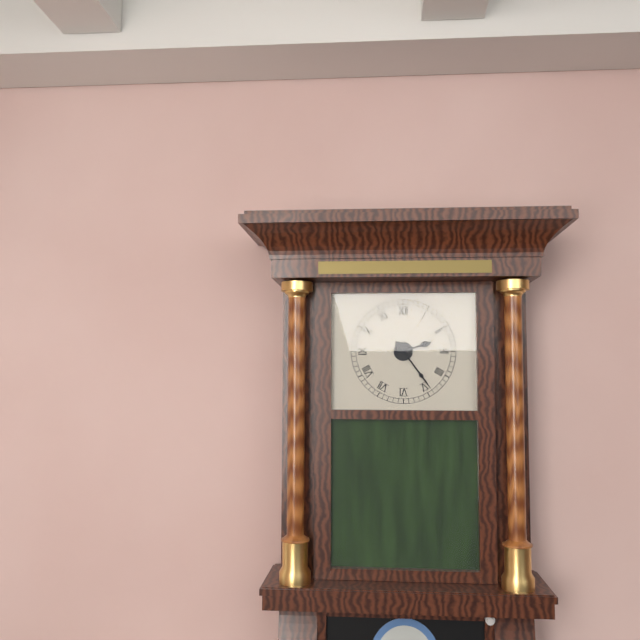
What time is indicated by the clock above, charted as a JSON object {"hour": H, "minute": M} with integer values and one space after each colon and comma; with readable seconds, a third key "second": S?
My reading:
{"hour": 2, "minute": 24}
